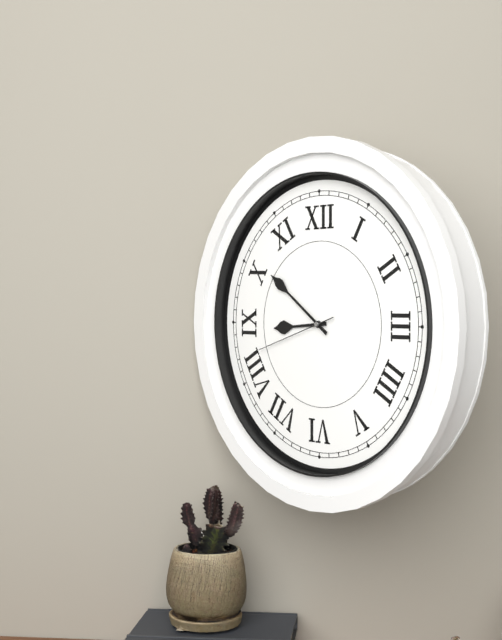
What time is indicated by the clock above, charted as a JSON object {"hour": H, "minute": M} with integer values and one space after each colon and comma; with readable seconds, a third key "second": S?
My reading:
{"hour": 8, "minute": 51, "second": 42}
